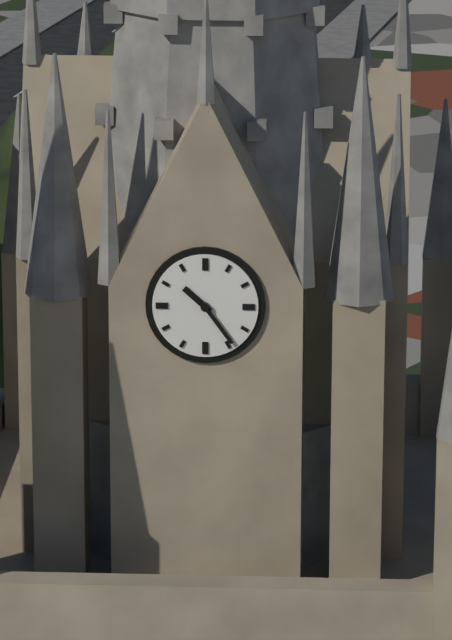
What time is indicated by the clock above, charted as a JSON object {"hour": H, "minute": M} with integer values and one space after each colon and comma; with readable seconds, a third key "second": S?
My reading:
{"hour": 10, "minute": 24}
